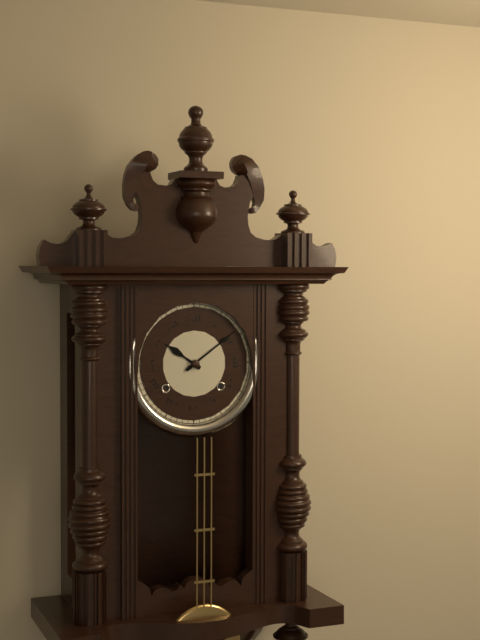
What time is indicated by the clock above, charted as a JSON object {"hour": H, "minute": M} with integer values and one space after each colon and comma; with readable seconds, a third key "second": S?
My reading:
{"hour": 10, "minute": 9}
